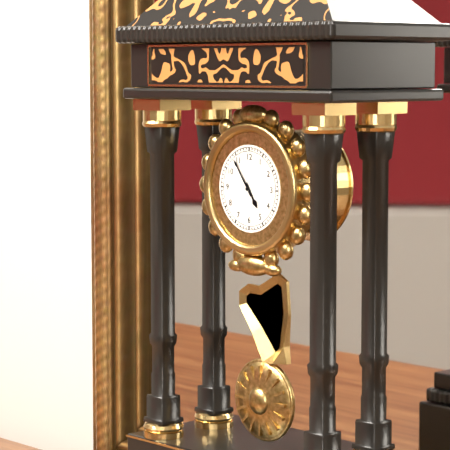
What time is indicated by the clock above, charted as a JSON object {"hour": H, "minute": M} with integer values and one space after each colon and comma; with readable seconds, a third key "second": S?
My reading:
{"hour": 4, "minute": 54}
